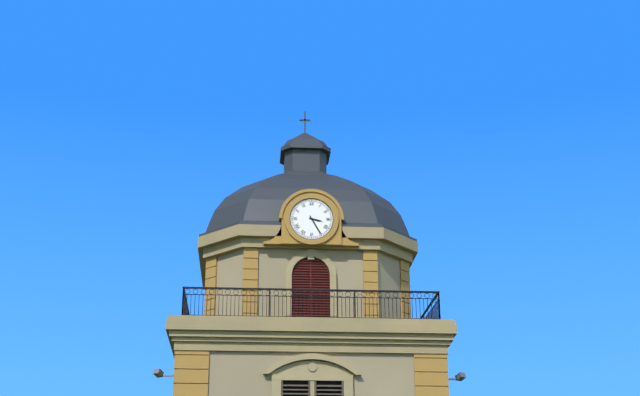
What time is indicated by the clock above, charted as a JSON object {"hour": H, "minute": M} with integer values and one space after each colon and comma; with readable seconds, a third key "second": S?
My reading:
{"hour": 3, "minute": 25}
